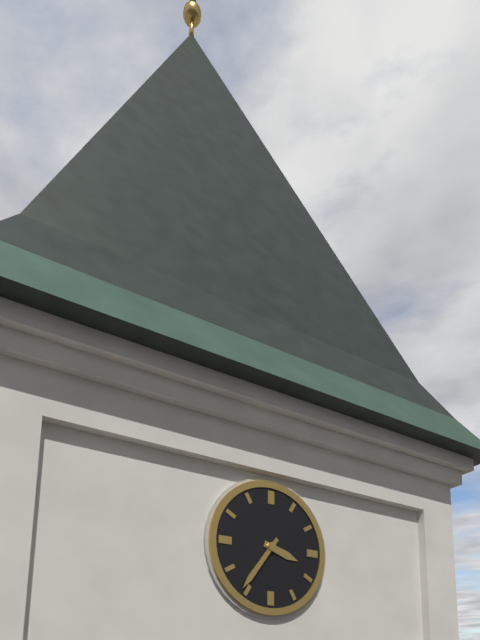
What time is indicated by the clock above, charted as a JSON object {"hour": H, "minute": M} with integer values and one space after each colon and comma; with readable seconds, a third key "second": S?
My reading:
{"hour": 3, "minute": 36}
